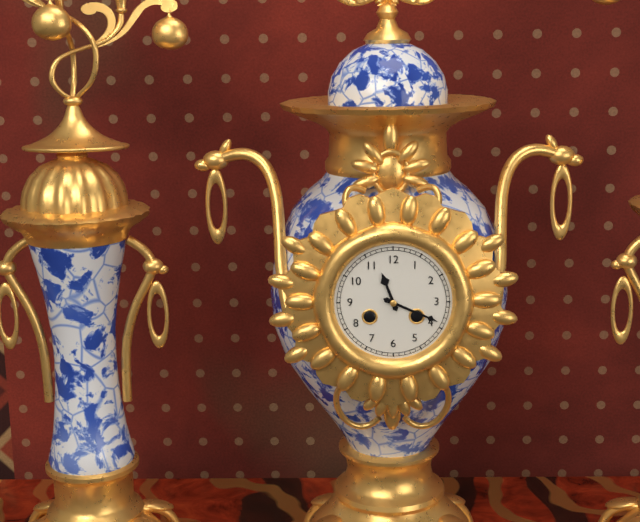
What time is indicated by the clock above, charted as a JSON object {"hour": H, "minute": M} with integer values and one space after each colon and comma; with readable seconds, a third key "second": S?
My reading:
{"hour": 11, "minute": 19}
